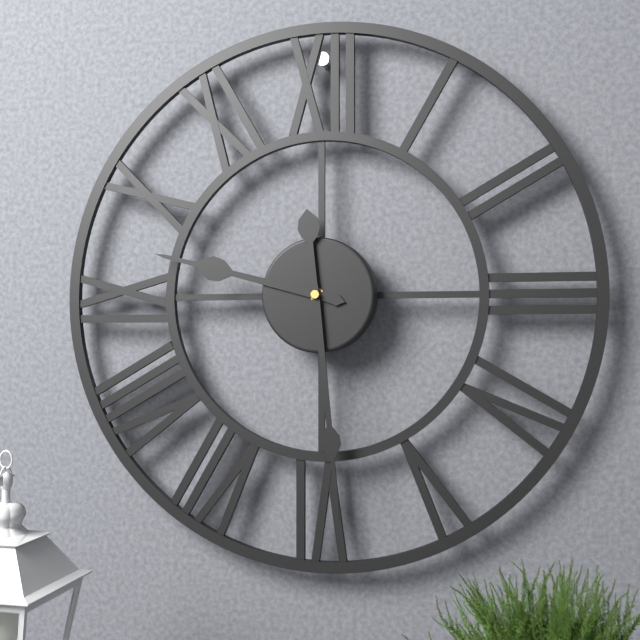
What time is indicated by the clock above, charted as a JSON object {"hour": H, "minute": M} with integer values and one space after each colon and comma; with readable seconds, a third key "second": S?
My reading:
{"hour": 9, "minute": 29}
